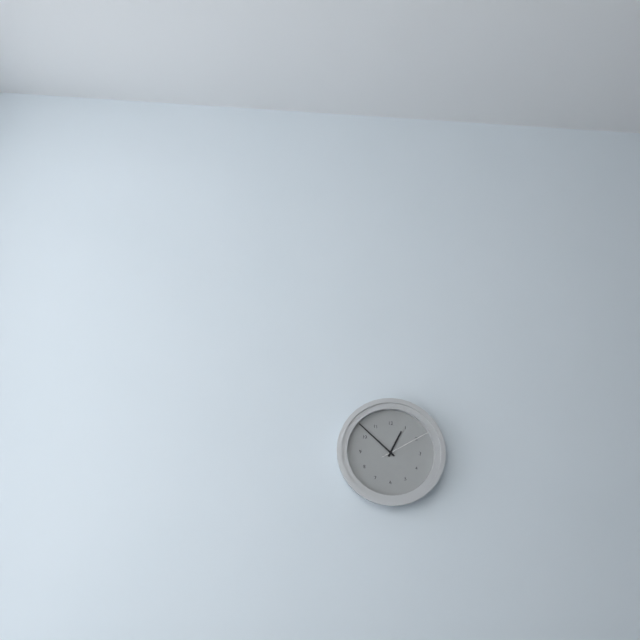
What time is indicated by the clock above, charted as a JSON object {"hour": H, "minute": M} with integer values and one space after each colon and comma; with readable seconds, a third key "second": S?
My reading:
{"hour": 12, "minute": 52, "second": 10}
